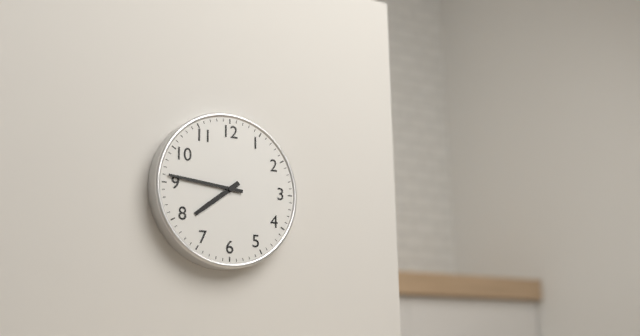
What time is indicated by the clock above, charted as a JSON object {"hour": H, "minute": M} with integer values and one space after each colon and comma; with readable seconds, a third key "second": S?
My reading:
{"hour": 7, "minute": 46}
